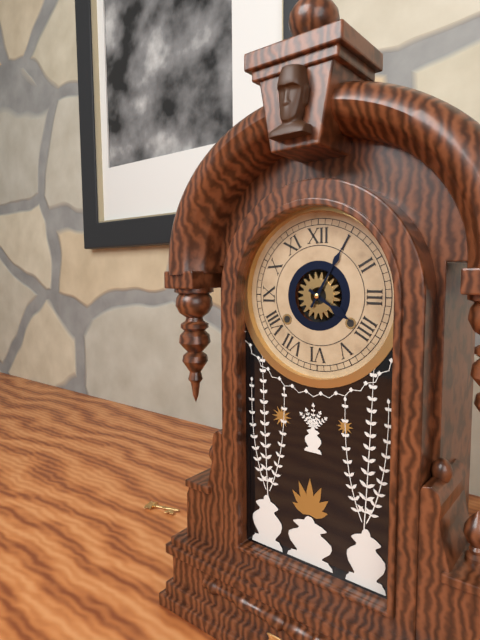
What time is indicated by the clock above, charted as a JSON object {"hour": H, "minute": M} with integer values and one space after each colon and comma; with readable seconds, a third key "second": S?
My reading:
{"hour": 4, "minute": 5}
